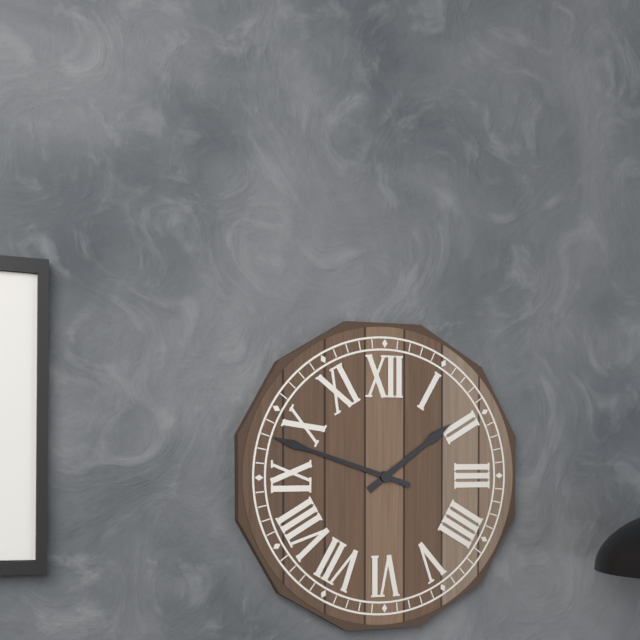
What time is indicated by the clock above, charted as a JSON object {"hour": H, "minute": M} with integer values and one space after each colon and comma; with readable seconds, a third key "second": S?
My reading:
{"hour": 1, "minute": 48}
